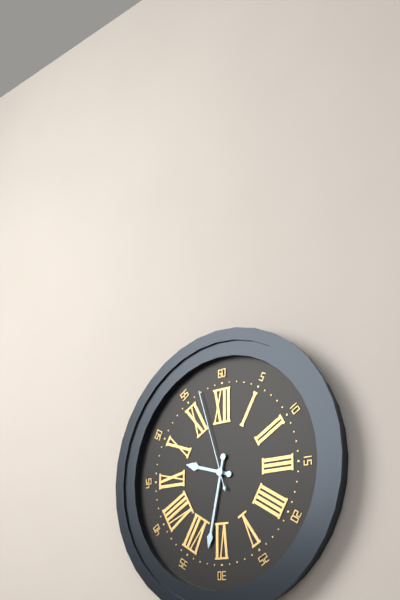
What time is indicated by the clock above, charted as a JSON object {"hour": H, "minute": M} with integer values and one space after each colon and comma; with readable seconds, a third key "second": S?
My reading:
{"hour": 9, "minute": 32, "second": 57}
